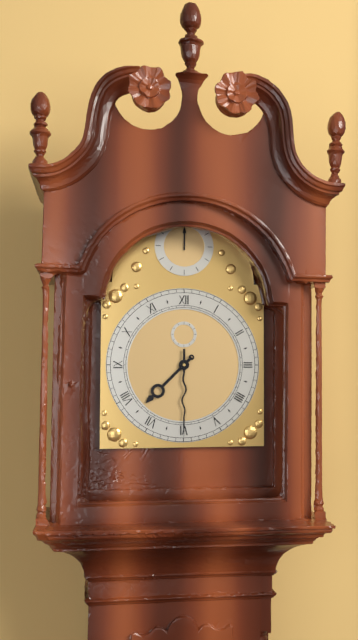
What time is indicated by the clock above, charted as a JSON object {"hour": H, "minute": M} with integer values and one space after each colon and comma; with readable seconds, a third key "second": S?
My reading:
{"hour": 7, "minute": 30}
